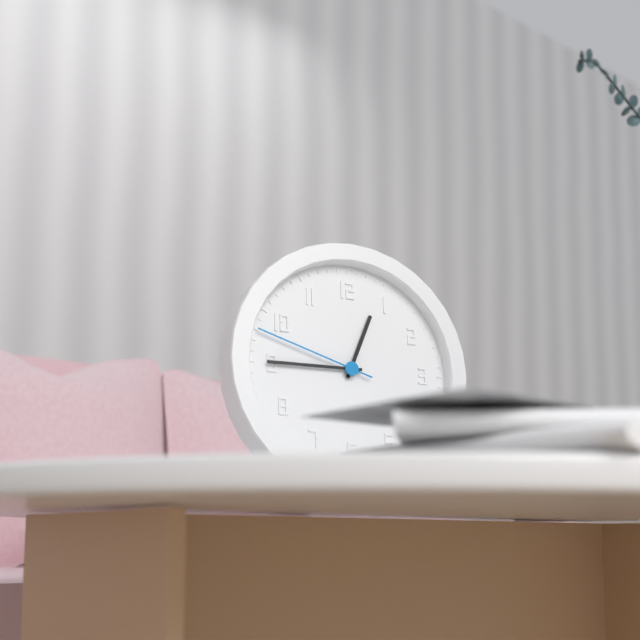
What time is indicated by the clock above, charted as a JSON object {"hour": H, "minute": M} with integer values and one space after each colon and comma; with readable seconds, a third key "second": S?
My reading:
{"hour": 12, "minute": 45, "second": 48}
